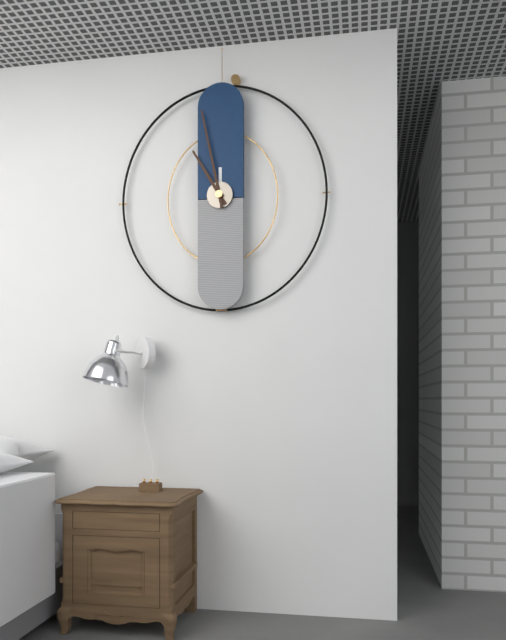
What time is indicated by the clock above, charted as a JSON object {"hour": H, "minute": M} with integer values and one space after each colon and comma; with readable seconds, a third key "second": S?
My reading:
{"hour": 10, "minute": 58}
